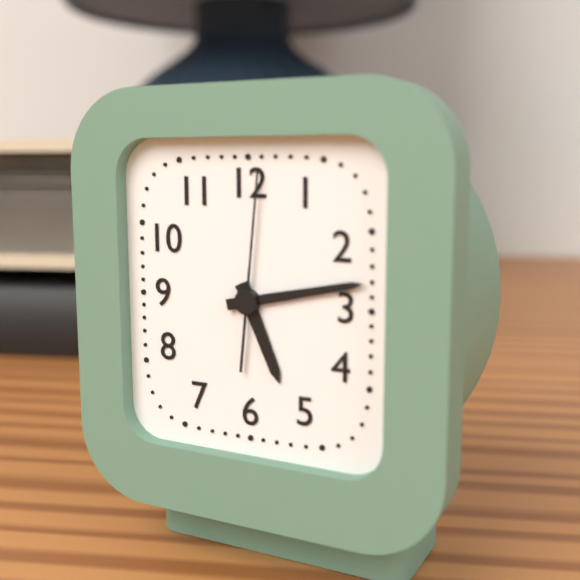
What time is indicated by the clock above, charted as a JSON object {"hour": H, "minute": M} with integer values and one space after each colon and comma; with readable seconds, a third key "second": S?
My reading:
{"hour": 5, "minute": 13, "second": 1}
